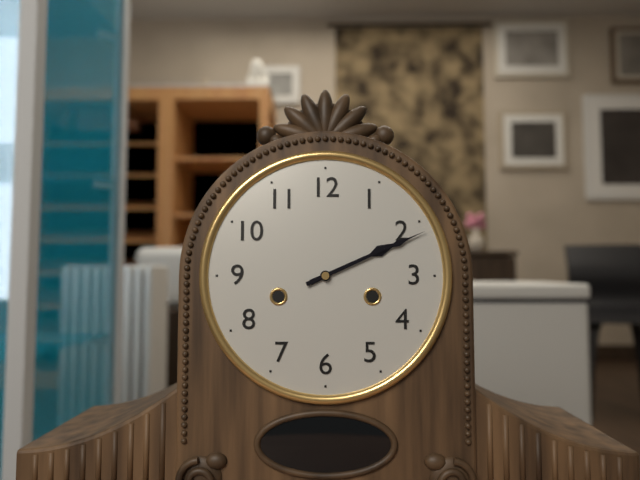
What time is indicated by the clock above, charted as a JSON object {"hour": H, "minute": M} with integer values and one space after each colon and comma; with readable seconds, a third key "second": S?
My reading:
{"hour": 2, "minute": 11}
